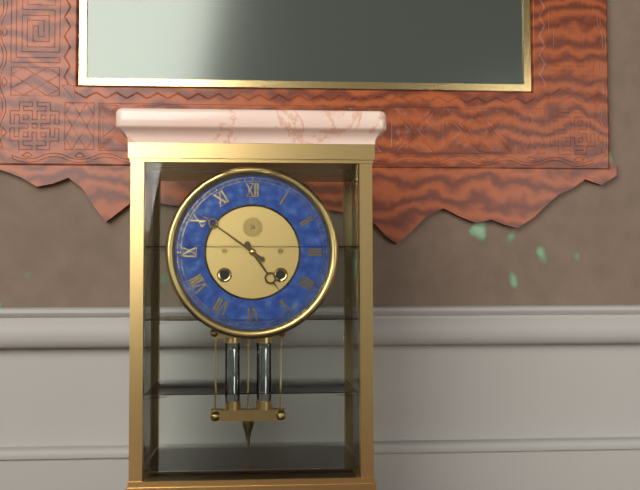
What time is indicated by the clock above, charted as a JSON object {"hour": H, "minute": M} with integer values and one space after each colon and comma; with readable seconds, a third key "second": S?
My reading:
{"hour": 4, "minute": 51}
